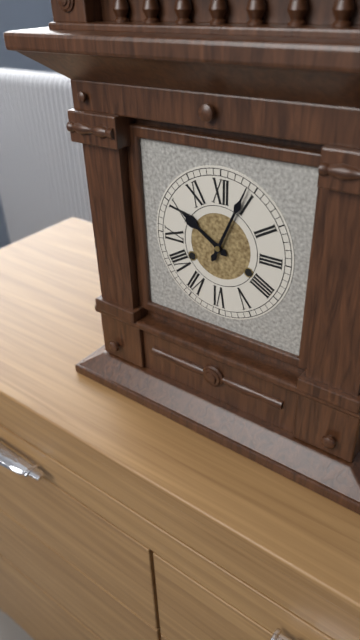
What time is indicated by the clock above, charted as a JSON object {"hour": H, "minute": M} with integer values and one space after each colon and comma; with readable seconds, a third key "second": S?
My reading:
{"hour": 10, "minute": 4}
